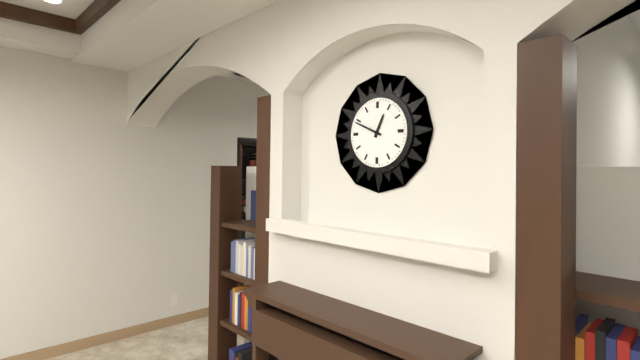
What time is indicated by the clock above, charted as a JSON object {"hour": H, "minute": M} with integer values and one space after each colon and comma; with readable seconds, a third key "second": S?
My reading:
{"hour": 12, "minute": 49}
